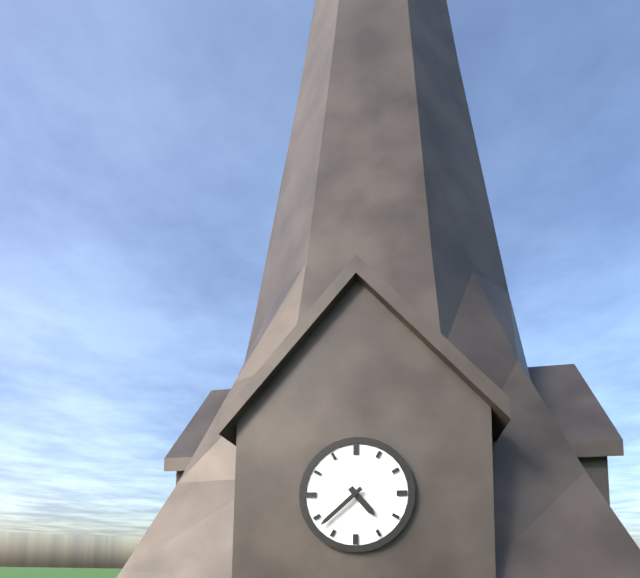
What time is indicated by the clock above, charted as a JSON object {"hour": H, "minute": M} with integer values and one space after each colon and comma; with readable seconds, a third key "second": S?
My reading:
{"hour": 4, "minute": 38}
